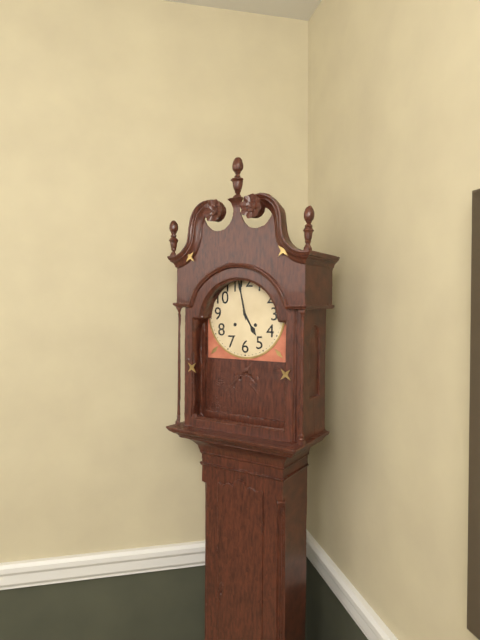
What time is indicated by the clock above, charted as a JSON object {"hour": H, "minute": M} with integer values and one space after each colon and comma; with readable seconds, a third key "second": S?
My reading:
{"hour": 4, "minute": 58}
